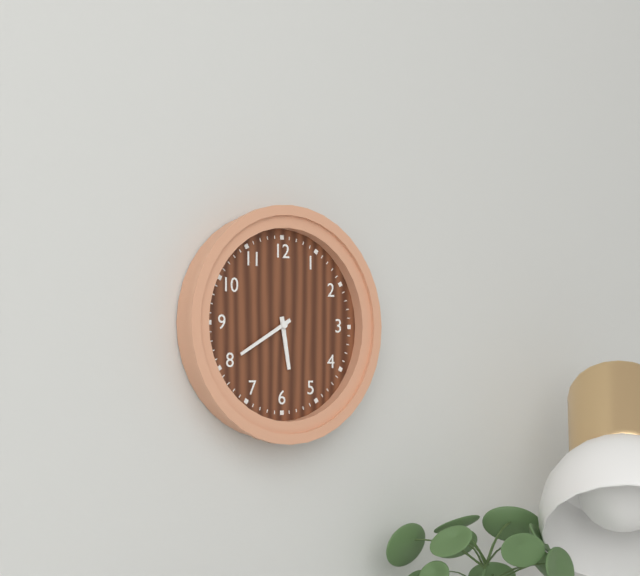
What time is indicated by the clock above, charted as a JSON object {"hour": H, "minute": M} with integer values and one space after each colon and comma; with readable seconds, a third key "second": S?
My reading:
{"hour": 5, "minute": 40}
